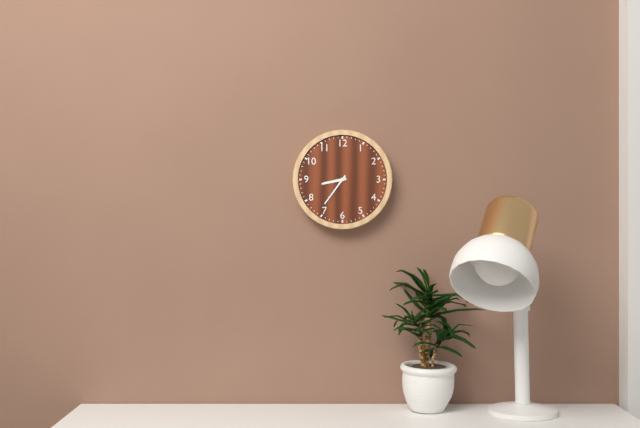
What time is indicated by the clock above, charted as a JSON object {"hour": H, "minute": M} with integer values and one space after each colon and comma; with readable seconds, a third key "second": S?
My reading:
{"hour": 8, "minute": 36}
